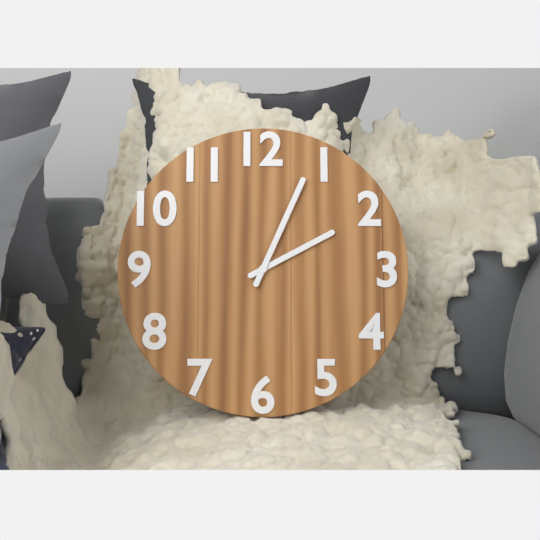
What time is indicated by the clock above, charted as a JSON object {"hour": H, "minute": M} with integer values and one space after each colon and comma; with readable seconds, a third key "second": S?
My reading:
{"hour": 2, "minute": 4}
